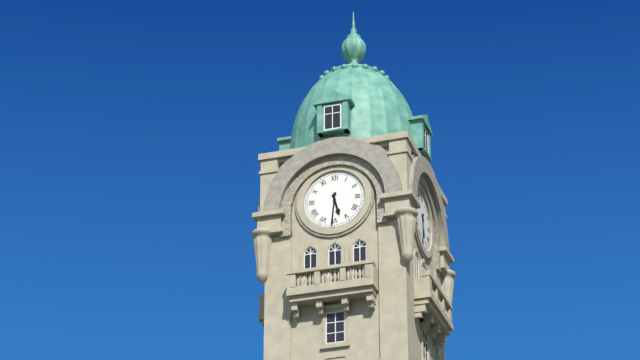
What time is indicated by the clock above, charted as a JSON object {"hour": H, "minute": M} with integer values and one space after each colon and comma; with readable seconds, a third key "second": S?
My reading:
{"hour": 5, "minute": 31}
